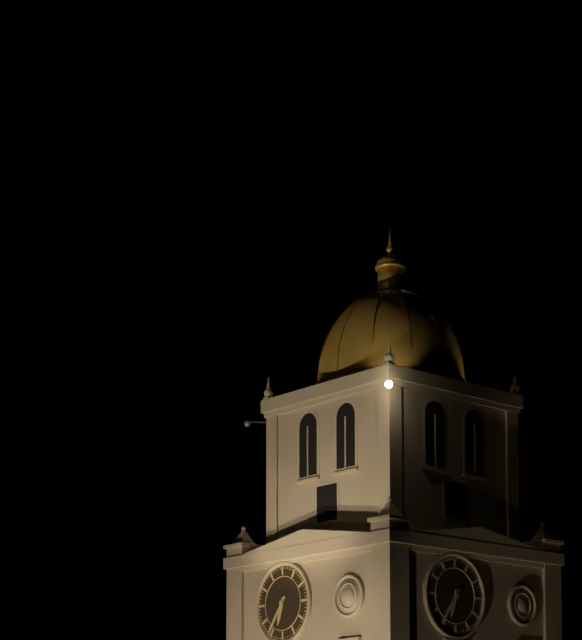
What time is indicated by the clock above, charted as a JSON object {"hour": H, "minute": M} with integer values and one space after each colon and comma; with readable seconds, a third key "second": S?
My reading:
{"hour": 6, "minute": 36}
